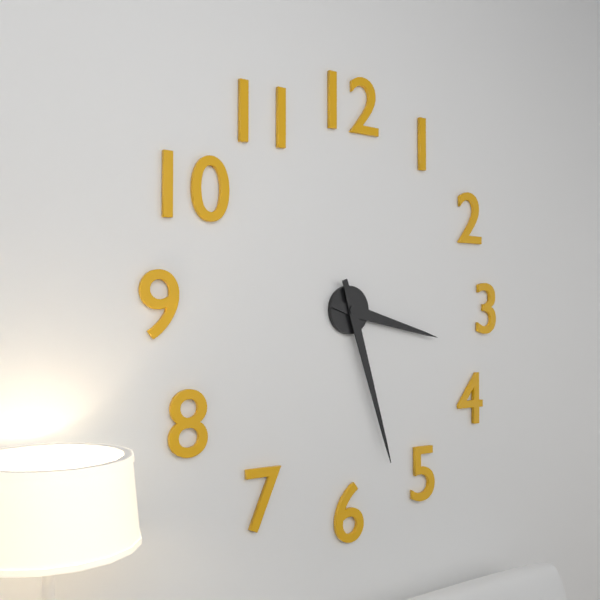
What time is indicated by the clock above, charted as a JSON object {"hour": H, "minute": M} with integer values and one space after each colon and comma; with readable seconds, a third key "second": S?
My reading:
{"hour": 3, "minute": 27}
